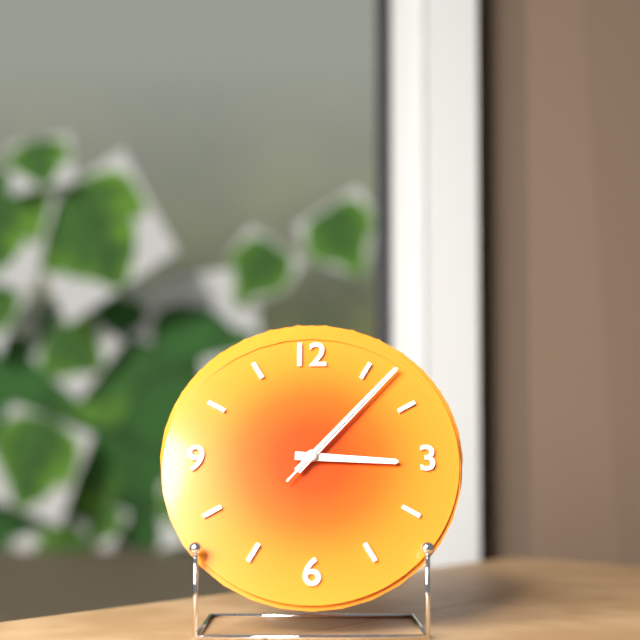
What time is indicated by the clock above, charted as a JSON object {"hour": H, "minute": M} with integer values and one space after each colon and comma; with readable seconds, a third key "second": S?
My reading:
{"hour": 3, "minute": 7, "second": 7}
